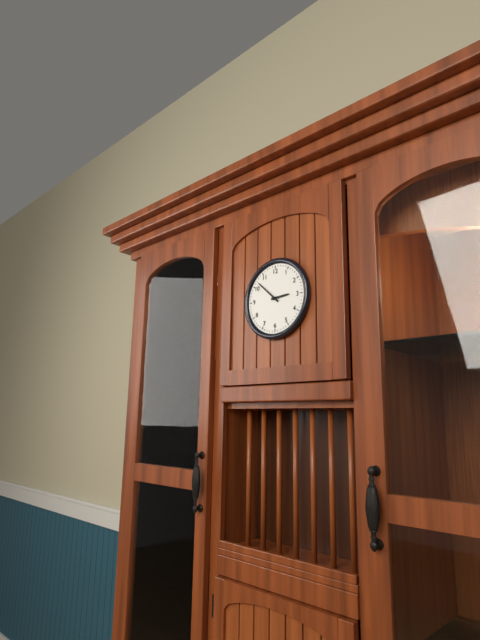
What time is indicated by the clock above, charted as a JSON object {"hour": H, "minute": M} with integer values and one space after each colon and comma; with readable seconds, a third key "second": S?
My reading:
{"hour": 2, "minute": 52}
